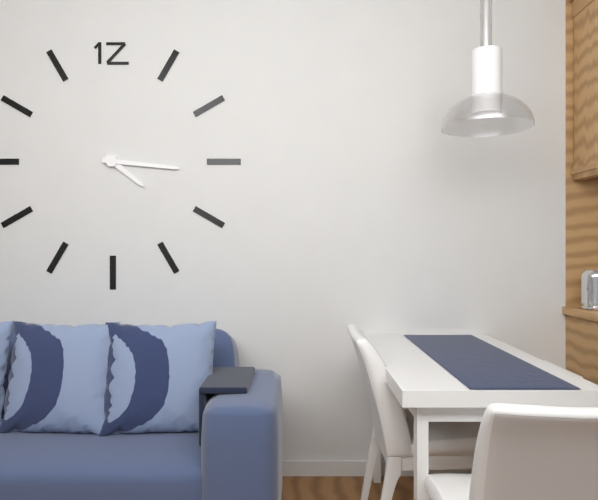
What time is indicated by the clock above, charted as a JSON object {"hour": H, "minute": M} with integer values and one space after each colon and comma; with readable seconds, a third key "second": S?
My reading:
{"hour": 4, "minute": 16}
